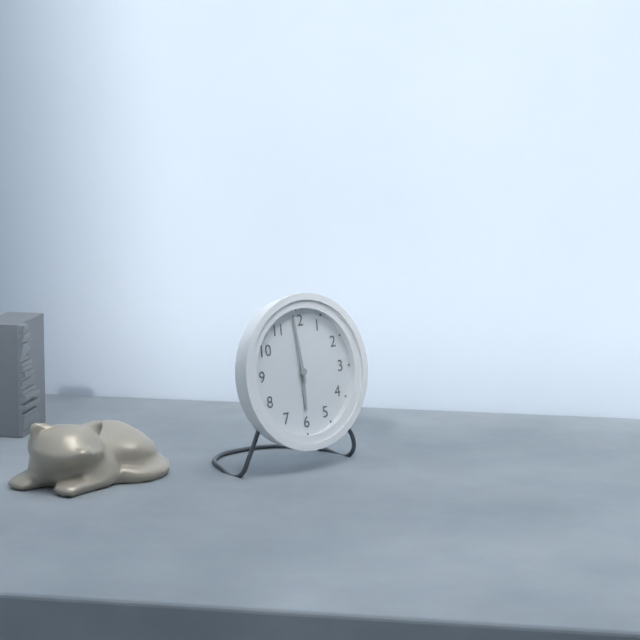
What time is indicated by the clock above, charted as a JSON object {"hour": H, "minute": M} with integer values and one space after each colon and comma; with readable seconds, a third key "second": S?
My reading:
{"hour": 5, "minute": 59}
